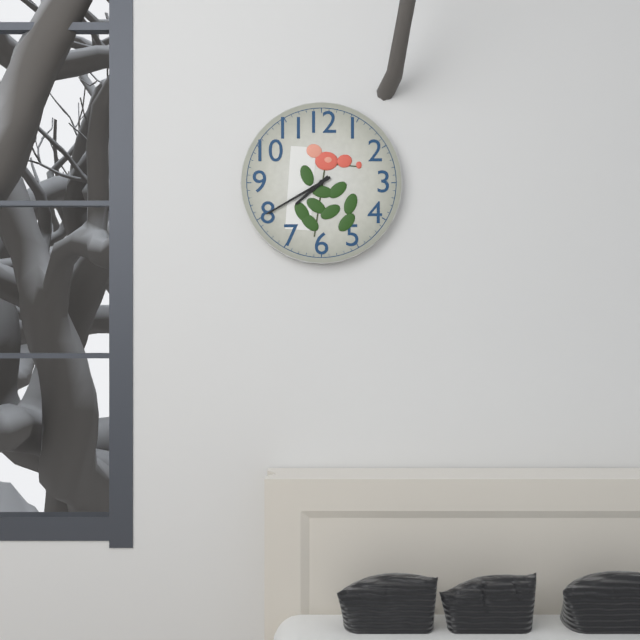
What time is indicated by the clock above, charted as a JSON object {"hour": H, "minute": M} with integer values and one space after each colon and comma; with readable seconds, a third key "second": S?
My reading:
{"hour": 7, "minute": 40}
